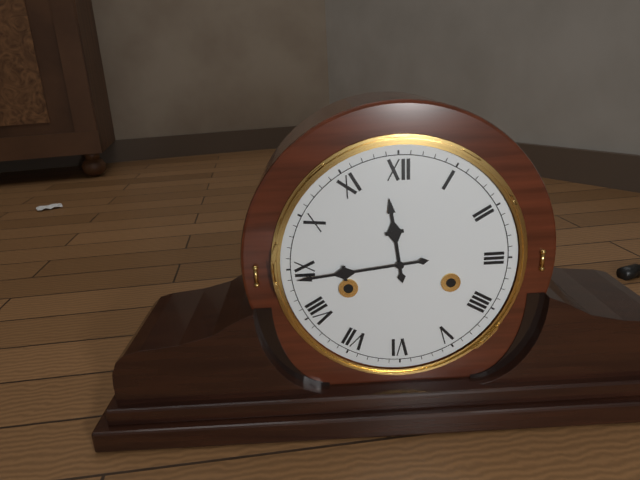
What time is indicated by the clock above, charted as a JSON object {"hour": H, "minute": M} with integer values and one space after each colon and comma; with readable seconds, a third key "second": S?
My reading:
{"hour": 11, "minute": 44}
